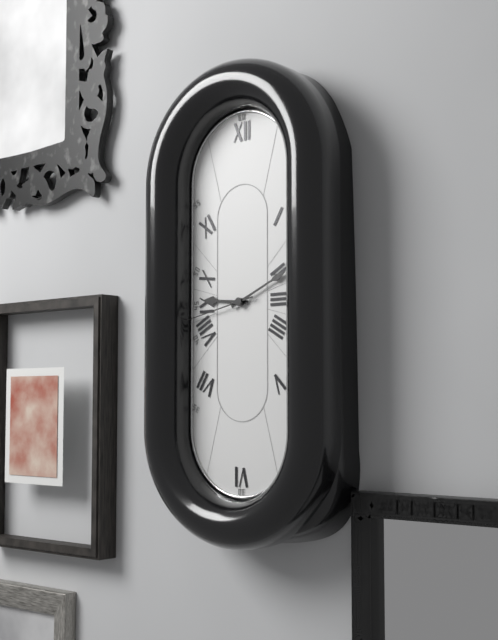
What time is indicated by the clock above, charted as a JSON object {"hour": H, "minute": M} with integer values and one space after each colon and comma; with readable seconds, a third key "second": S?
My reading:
{"hour": 9, "minute": 11, "second": 43}
